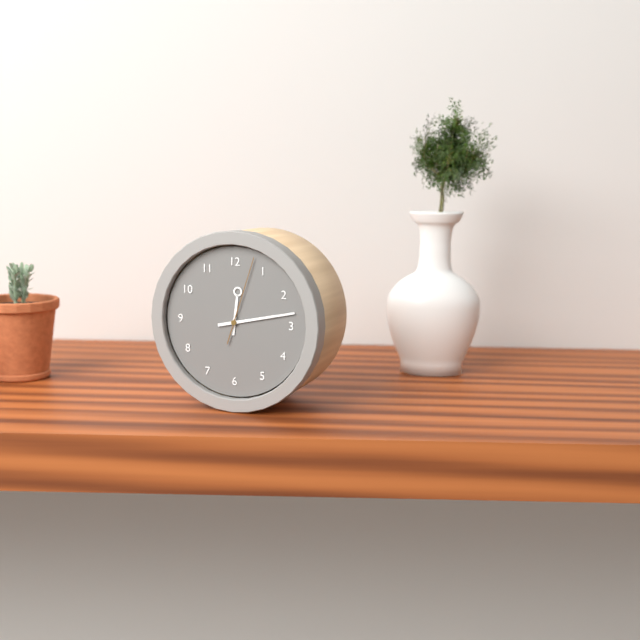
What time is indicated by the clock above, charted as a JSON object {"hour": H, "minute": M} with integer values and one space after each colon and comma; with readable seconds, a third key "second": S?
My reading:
{"hour": 12, "minute": 13, "second": 3}
